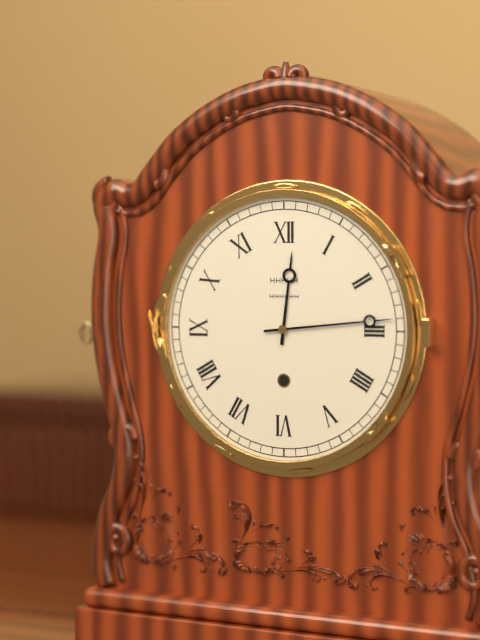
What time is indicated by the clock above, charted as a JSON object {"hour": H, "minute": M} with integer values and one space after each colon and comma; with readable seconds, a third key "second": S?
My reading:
{"hour": 12, "minute": 14}
